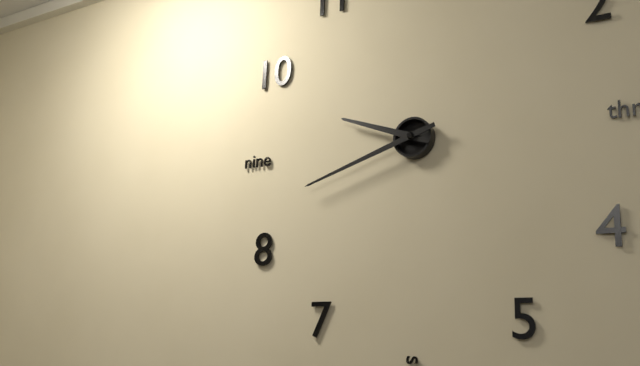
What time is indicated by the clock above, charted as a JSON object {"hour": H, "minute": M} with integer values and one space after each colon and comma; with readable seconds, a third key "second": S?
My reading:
{"hour": 9, "minute": 42}
